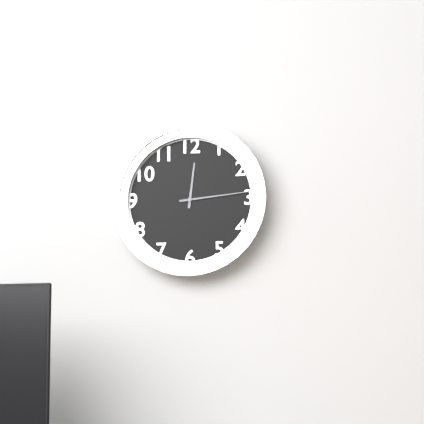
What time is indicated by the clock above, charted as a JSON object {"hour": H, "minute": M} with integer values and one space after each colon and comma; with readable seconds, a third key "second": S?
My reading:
{"hour": 12, "minute": 14}
